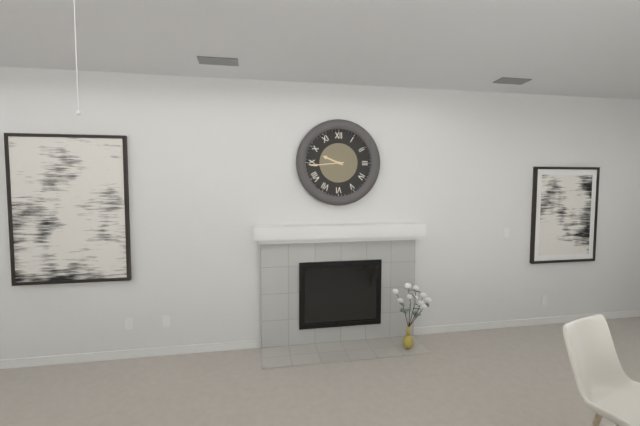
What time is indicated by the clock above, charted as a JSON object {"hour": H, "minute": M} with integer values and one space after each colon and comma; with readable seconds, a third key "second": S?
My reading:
{"hour": 9, "minute": 44}
